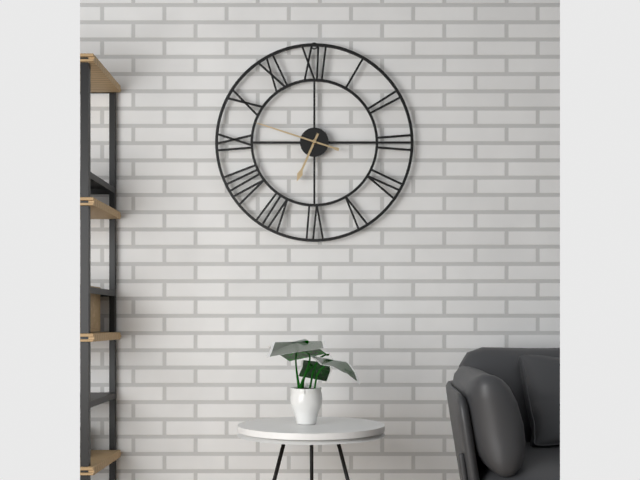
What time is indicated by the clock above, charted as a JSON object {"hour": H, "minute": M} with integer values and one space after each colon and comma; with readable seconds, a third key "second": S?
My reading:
{"hour": 6, "minute": 48}
